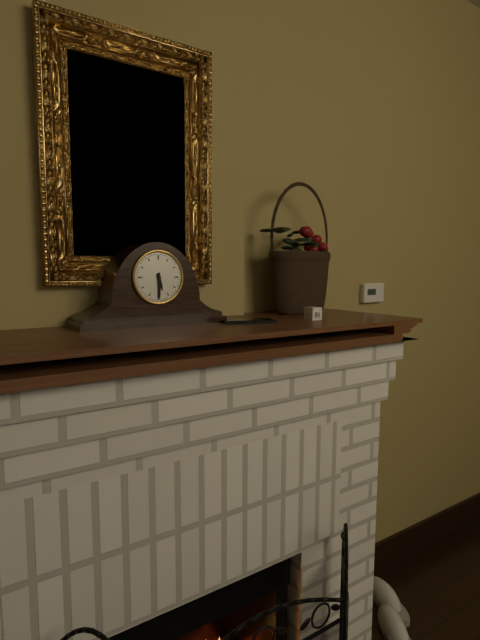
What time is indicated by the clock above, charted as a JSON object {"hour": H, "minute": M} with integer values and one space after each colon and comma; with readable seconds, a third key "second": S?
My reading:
{"hour": 5, "minute": 30}
